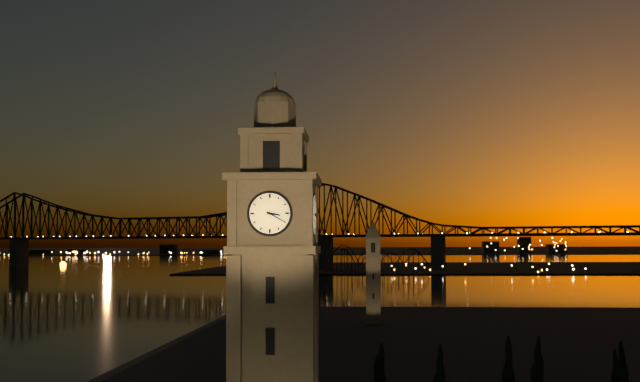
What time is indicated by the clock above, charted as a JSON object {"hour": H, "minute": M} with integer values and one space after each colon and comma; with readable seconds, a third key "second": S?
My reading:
{"hour": 3, "minute": 20}
